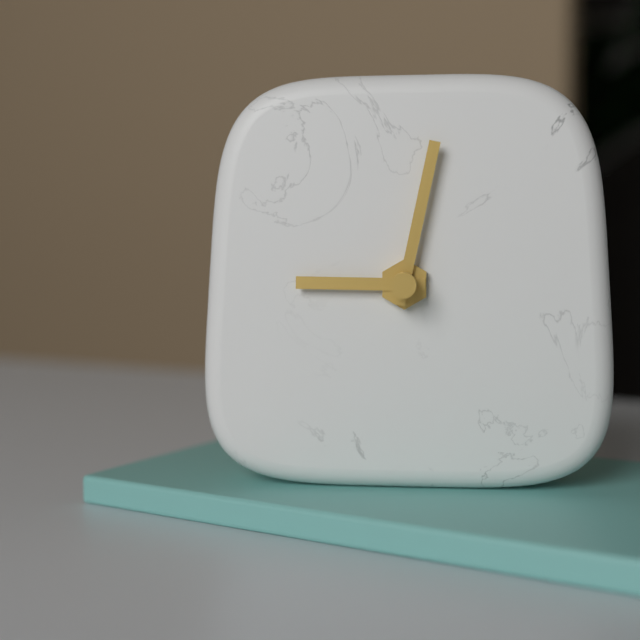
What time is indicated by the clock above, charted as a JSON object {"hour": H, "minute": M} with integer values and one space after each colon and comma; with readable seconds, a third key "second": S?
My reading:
{"hour": 9, "minute": 2}
